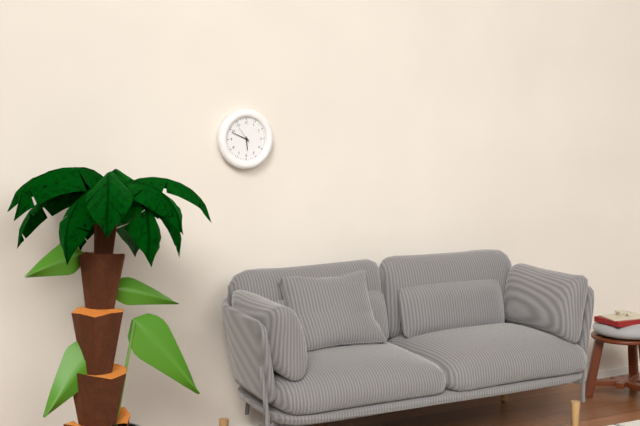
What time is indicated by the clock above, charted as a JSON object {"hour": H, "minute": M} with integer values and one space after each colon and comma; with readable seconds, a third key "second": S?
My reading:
{"hour": 5, "minute": 49}
